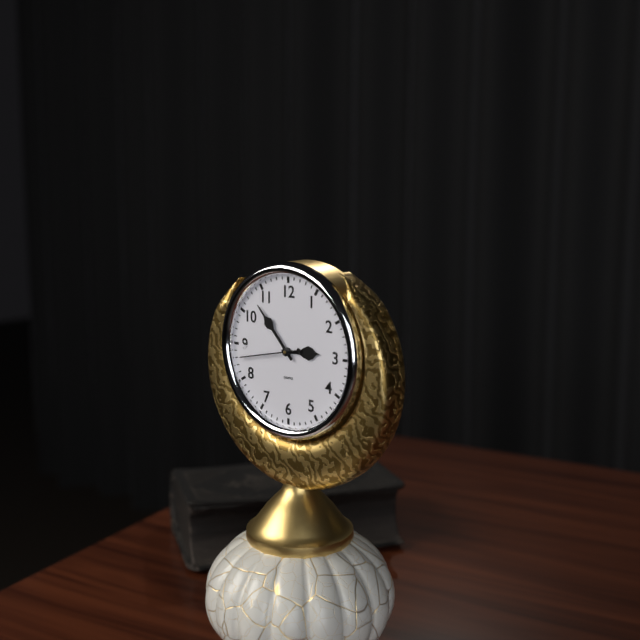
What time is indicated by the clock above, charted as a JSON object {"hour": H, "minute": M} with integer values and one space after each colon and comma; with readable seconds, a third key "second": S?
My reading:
{"hour": 2, "minute": 53, "second": 43}
